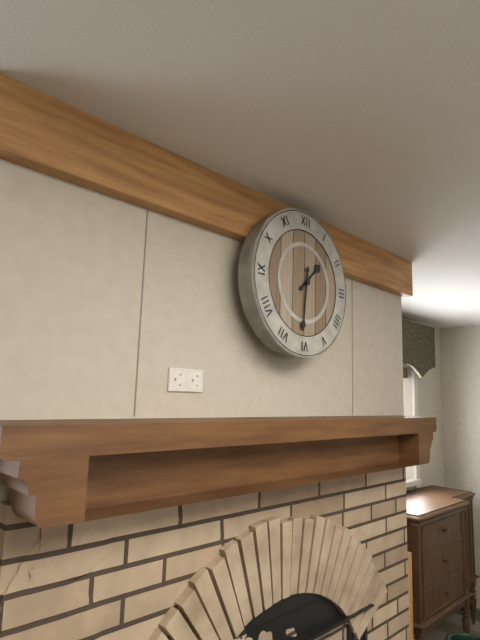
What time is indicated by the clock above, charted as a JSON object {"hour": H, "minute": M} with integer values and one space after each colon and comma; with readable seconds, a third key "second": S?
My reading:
{"hour": 1, "minute": 31}
